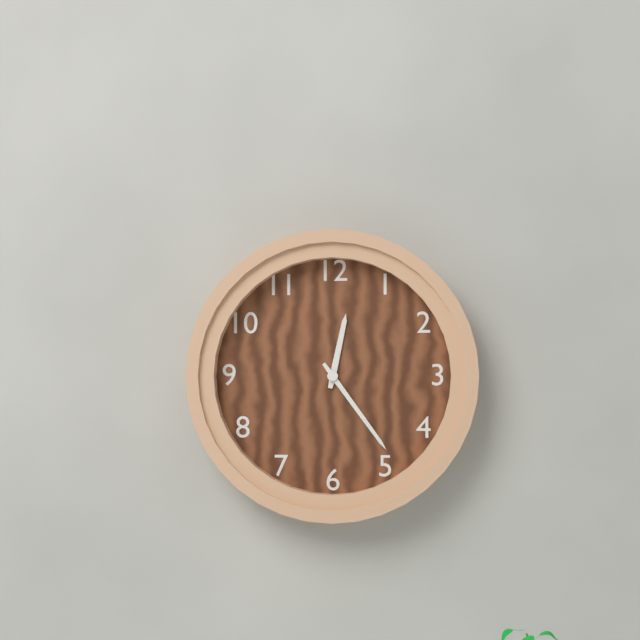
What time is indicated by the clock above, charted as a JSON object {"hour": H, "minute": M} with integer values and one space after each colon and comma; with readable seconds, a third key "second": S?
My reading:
{"hour": 12, "minute": 24}
